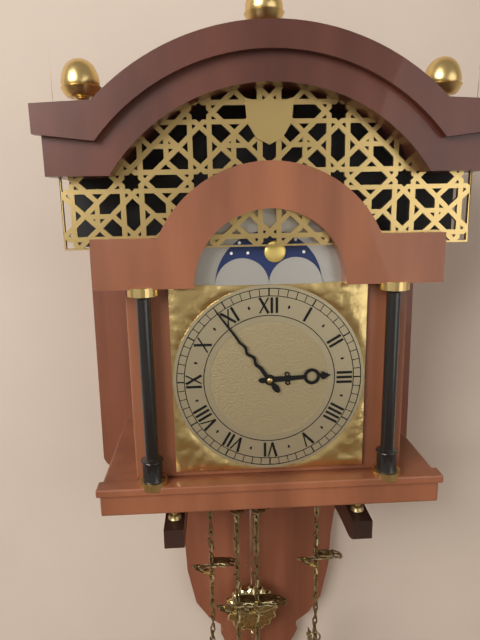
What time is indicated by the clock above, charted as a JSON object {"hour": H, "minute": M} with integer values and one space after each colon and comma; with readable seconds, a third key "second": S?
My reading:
{"hour": 2, "minute": 54}
